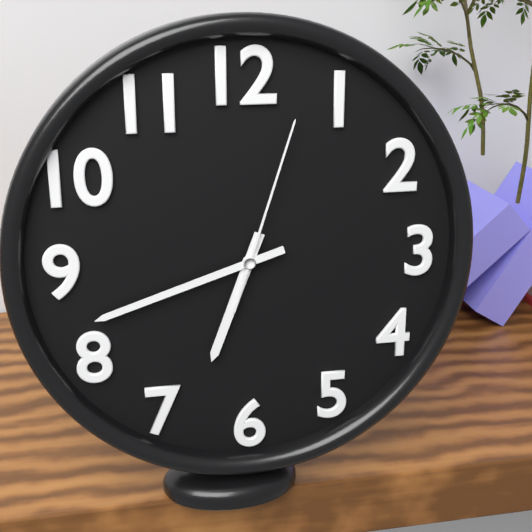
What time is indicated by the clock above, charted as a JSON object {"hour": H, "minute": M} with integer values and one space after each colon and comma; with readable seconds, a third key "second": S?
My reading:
{"hour": 6, "minute": 42, "second": 3}
